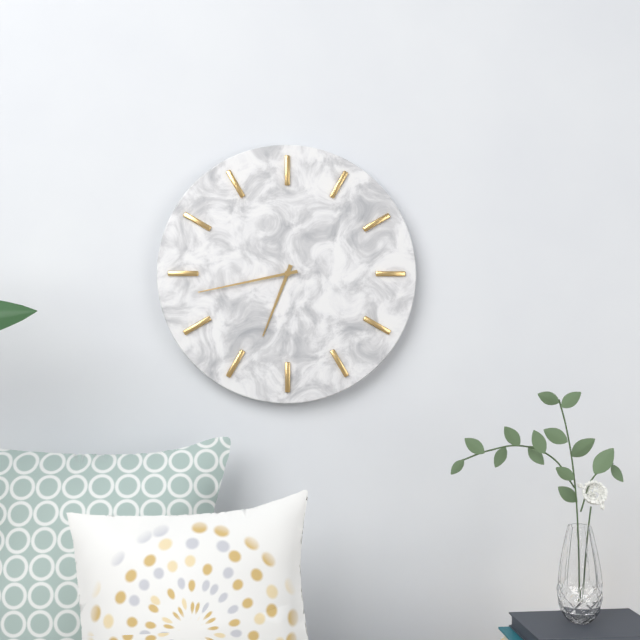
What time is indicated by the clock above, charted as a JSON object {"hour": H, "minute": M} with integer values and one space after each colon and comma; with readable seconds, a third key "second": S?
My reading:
{"hour": 6, "minute": 43}
